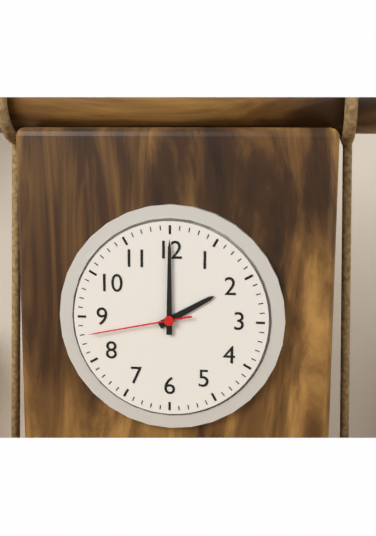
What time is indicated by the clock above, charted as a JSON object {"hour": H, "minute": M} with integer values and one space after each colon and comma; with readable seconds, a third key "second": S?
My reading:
{"hour": 2, "minute": 0, "second": 43}
